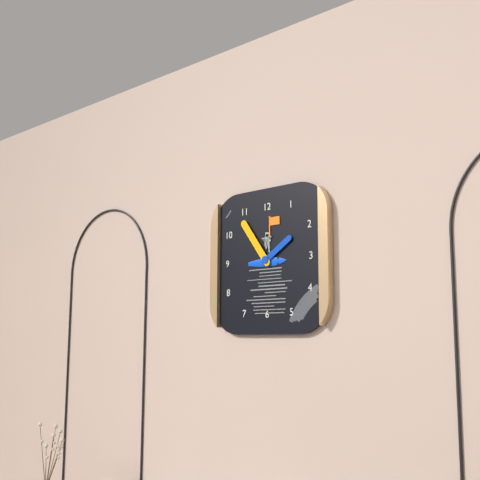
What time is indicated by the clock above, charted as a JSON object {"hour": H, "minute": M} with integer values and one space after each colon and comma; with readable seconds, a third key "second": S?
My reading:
{"hour": 1, "minute": 54}
